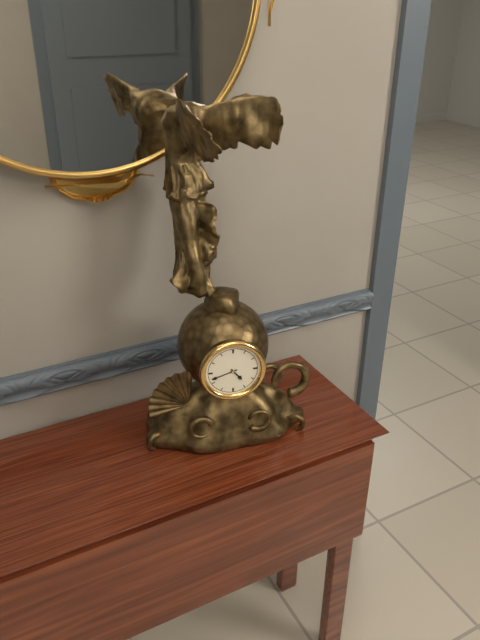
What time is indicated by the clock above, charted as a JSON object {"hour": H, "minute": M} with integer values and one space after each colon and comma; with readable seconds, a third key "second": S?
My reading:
{"hour": 4, "minute": 42}
